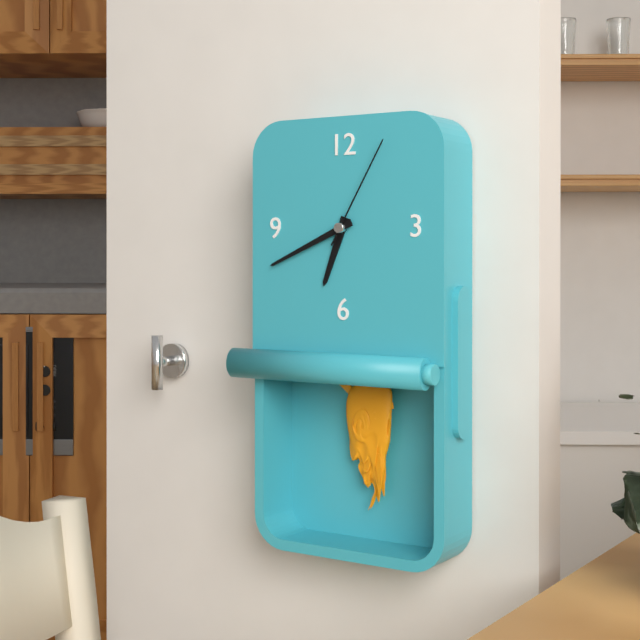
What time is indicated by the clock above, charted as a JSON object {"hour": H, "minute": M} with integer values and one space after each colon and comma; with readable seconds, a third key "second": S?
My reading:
{"hour": 6, "minute": 41, "second": 5}
